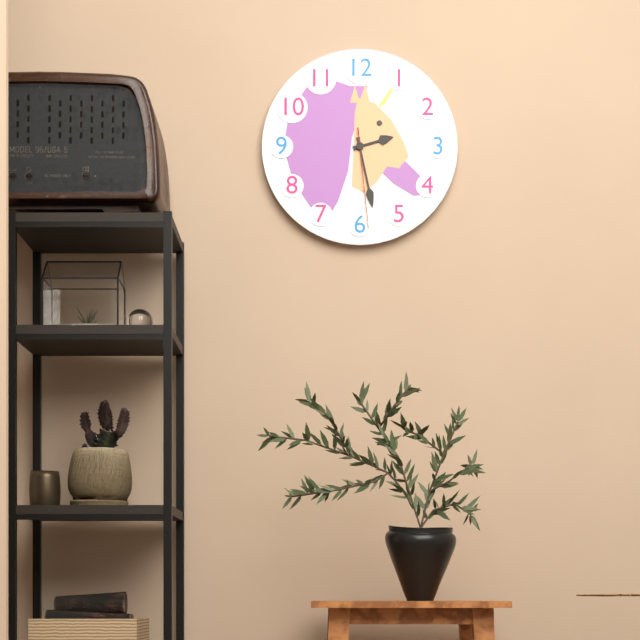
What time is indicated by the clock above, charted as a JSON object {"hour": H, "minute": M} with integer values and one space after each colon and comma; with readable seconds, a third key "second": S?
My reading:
{"hour": 2, "minute": 28, "second": 29}
